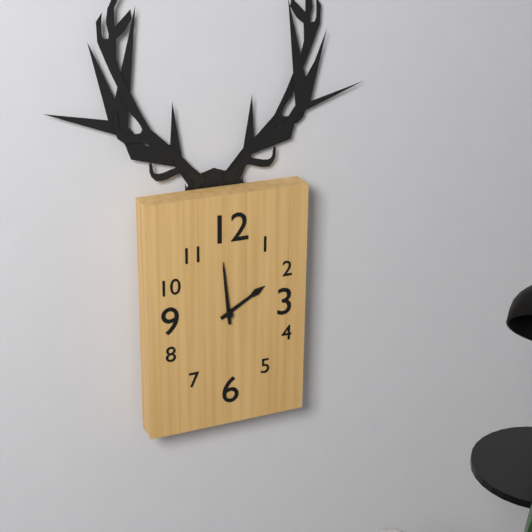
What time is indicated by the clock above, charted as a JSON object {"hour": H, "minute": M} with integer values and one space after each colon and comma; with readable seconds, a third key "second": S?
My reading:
{"hour": 1, "minute": 59}
